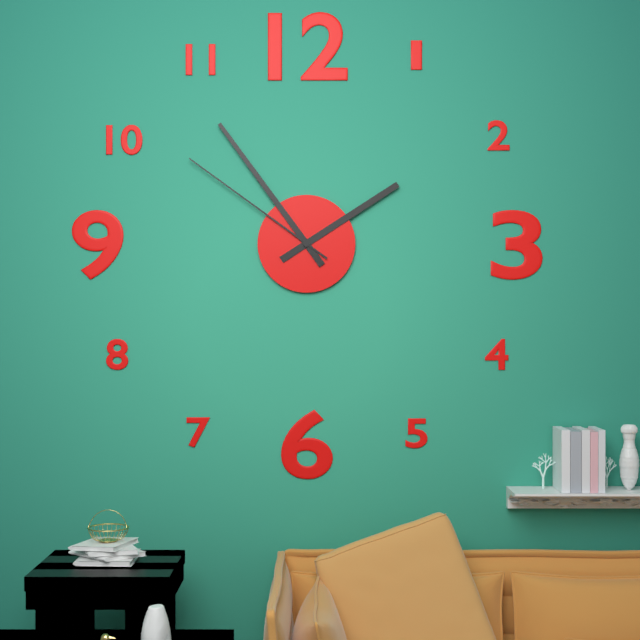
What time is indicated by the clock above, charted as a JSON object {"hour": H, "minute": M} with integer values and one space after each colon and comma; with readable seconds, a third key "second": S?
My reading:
{"hour": 1, "minute": 54, "second": 51}
